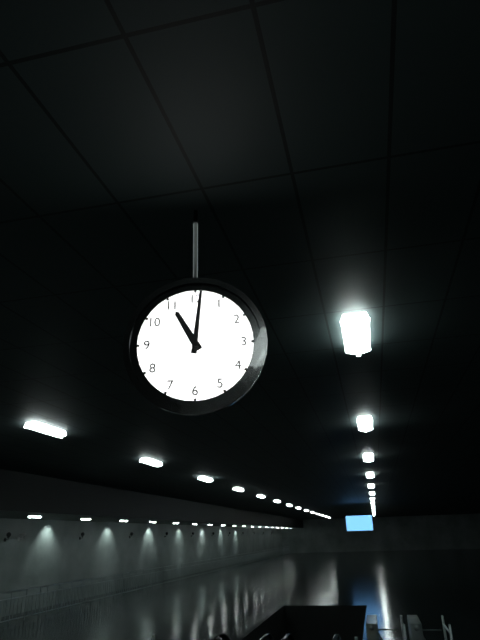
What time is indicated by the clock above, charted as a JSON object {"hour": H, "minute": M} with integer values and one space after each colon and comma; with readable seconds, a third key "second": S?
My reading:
{"hour": 11, "minute": 1}
